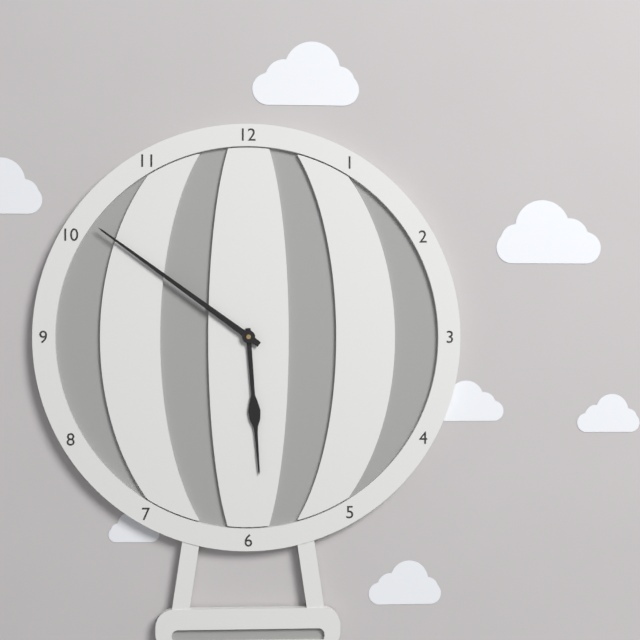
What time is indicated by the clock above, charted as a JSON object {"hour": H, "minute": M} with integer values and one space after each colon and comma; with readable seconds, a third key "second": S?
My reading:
{"hour": 5, "minute": 51}
